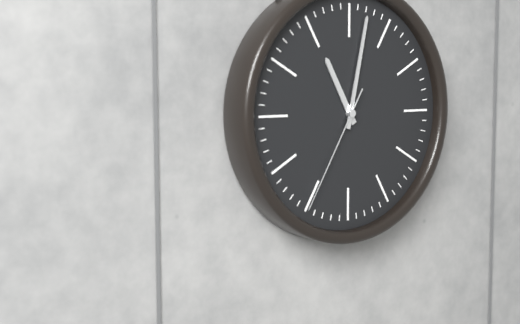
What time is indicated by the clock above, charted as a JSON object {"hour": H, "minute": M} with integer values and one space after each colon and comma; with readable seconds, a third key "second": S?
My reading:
{"hour": 11, "minute": 2, "second": 35}
